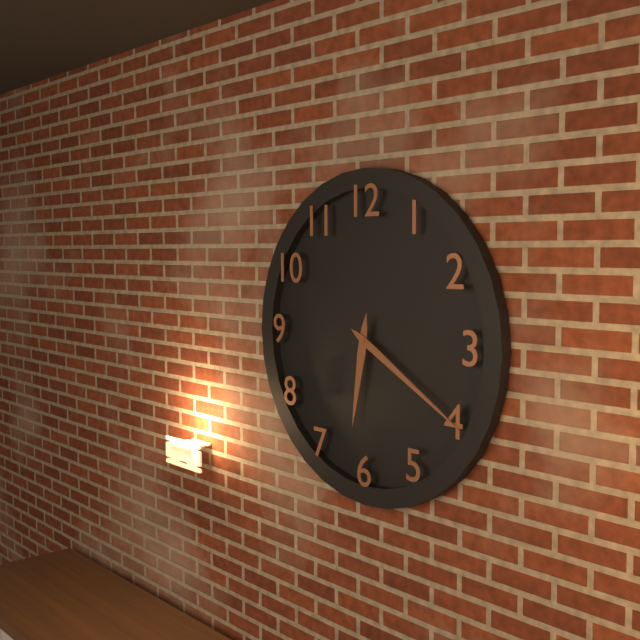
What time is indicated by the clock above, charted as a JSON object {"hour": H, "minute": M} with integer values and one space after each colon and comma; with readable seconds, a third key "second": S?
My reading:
{"hour": 6, "minute": 20}
